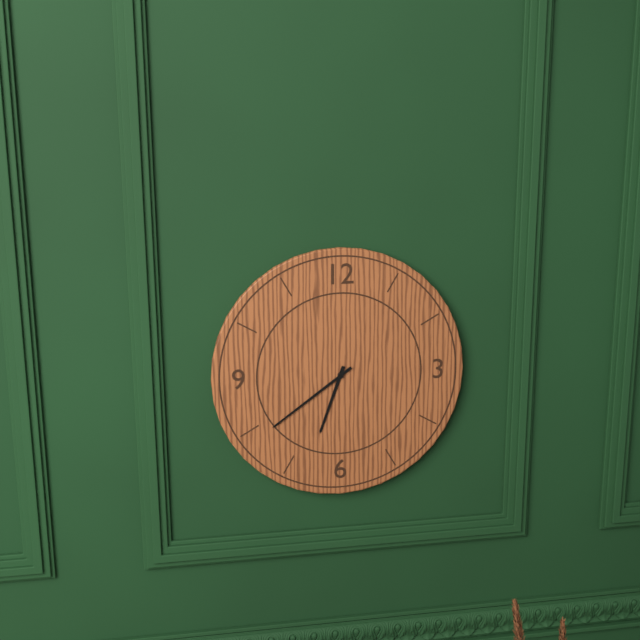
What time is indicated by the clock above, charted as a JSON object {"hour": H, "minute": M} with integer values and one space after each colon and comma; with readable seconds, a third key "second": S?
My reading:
{"hour": 6, "minute": 39}
